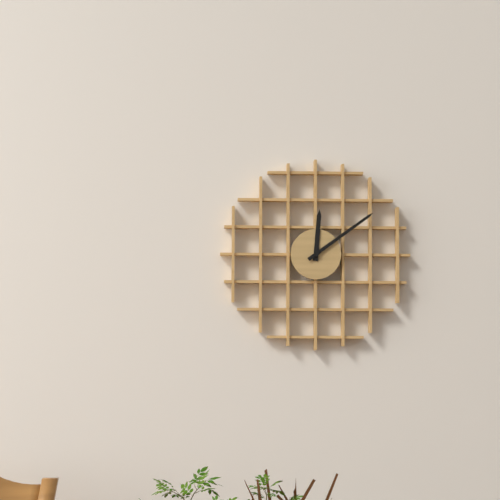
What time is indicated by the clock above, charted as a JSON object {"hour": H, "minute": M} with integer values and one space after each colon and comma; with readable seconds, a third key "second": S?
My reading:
{"hour": 12, "minute": 9}
